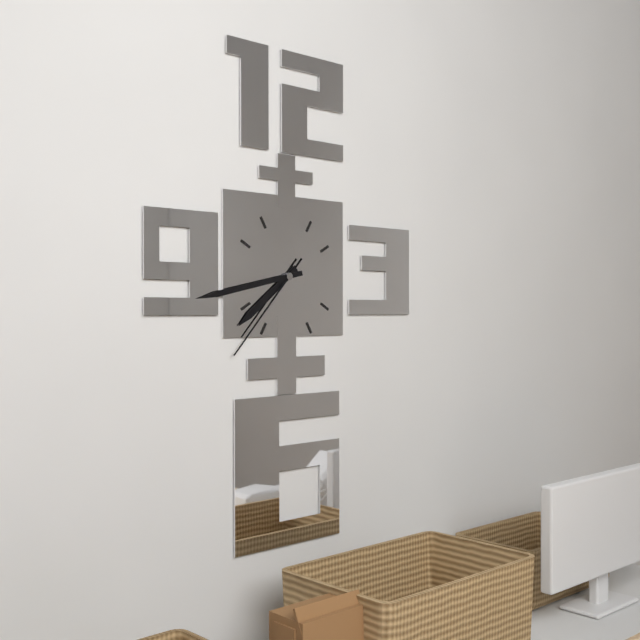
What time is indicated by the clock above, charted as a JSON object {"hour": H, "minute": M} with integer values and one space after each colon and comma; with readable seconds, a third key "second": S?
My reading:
{"hour": 7, "minute": 43, "second": 37}
